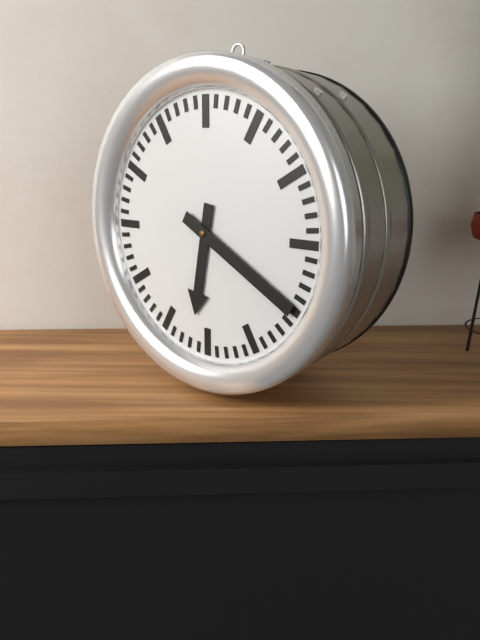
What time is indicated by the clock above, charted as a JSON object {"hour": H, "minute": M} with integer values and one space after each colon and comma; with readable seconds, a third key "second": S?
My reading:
{"hour": 6, "minute": 20}
